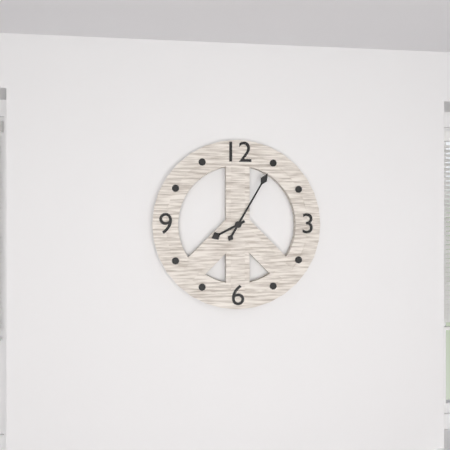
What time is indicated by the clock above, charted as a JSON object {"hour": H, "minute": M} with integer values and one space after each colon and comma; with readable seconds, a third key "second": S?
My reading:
{"hour": 8, "minute": 5}
